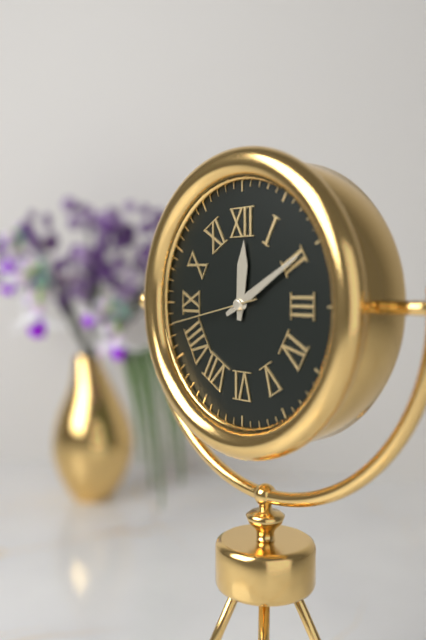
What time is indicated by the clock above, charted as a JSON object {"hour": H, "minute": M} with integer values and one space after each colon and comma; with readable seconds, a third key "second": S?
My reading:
{"hour": 12, "minute": 10, "second": 43}
